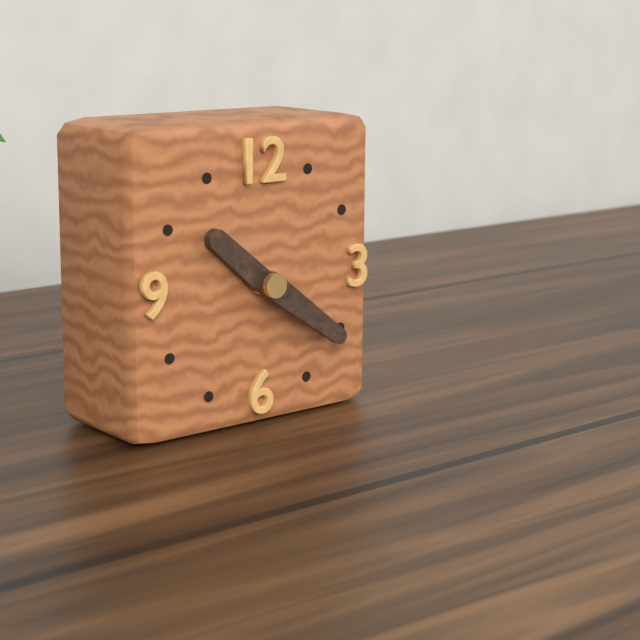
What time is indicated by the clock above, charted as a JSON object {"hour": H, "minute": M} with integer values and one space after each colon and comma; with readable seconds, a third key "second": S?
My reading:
{"hour": 10, "minute": 21}
